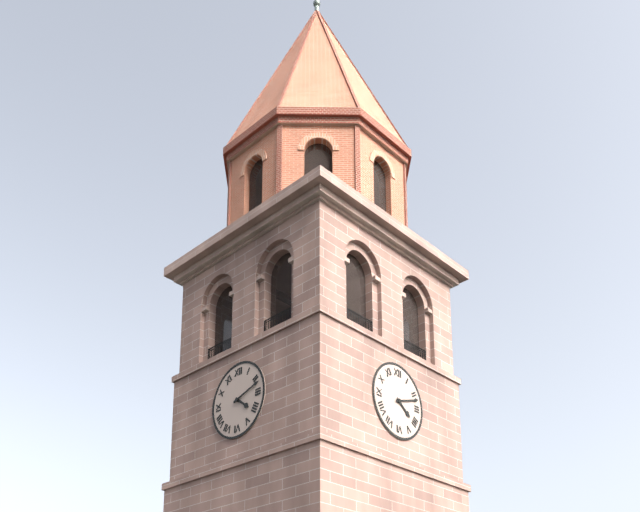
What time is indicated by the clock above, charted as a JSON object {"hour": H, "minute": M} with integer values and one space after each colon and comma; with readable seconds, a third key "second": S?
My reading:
{"hour": 4, "minute": 12}
